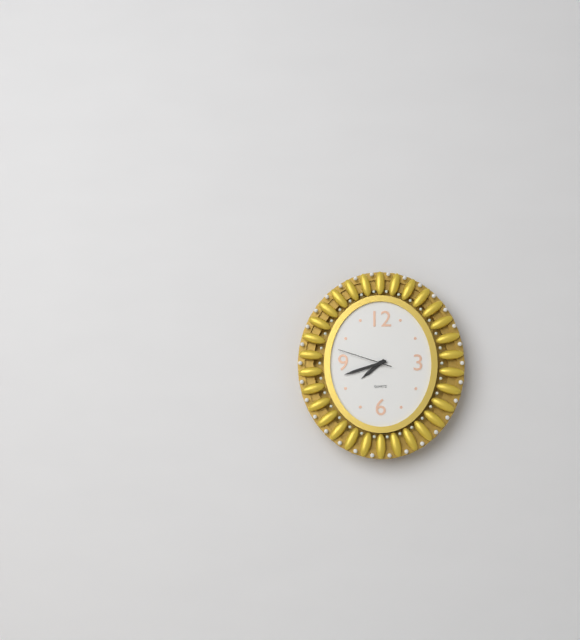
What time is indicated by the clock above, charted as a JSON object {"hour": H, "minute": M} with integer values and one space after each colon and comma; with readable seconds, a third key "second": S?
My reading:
{"hour": 7, "minute": 42, "second": 48}
